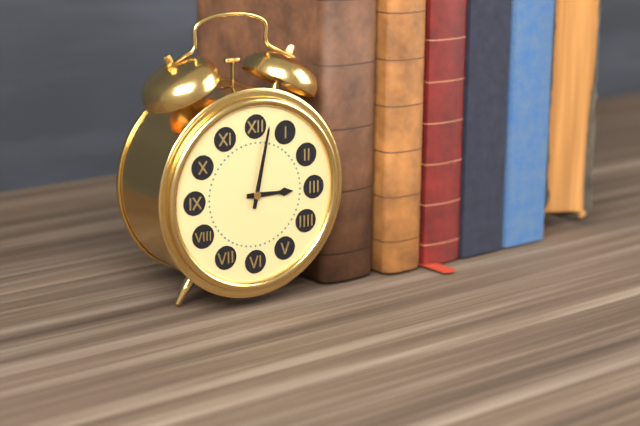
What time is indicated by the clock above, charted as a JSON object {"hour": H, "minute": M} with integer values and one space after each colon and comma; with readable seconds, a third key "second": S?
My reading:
{"hour": 3, "minute": 2}
